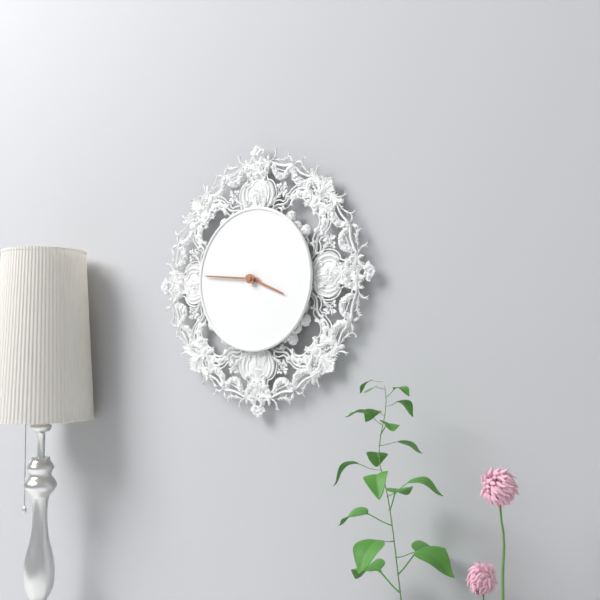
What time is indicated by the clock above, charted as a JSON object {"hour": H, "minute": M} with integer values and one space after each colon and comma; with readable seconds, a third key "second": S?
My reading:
{"hour": 3, "minute": 46}
